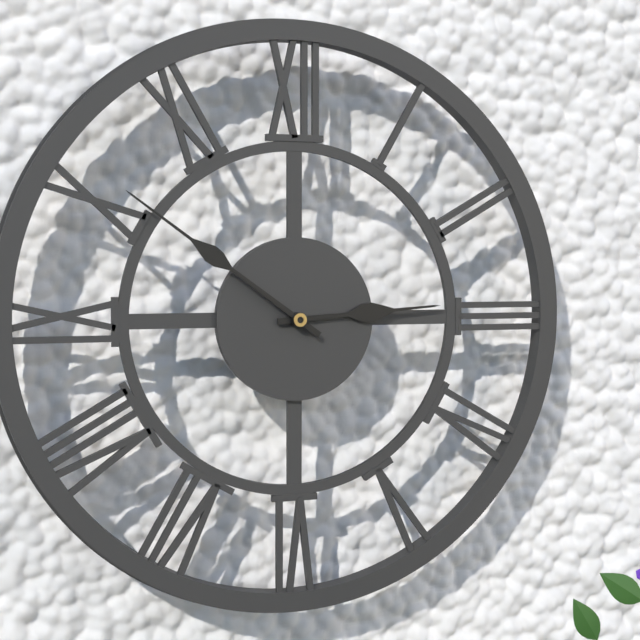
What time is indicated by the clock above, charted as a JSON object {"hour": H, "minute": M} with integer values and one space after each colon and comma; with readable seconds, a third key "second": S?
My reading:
{"hour": 2, "minute": 51}
